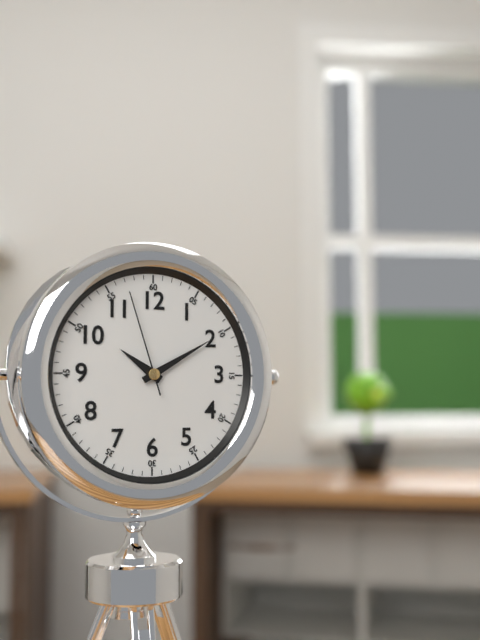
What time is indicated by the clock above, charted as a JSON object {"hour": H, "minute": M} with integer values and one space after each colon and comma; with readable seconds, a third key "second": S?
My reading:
{"hour": 10, "minute": 10, "second": 57}
